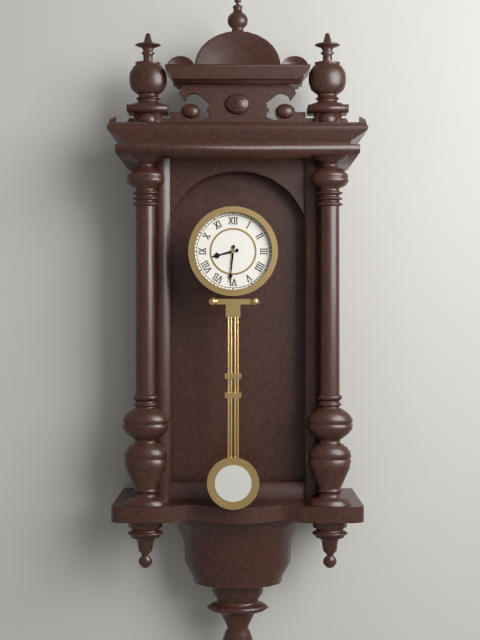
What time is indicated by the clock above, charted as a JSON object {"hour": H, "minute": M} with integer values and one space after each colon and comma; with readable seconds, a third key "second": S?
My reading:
{"hour": 8, "minute": 31}
